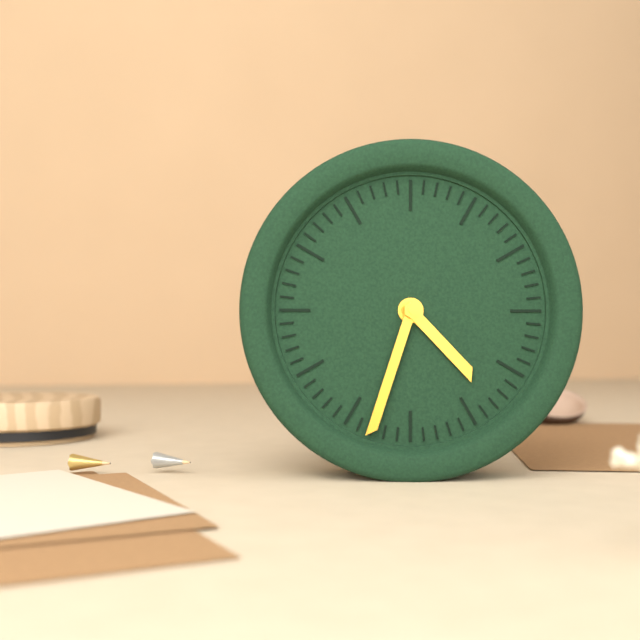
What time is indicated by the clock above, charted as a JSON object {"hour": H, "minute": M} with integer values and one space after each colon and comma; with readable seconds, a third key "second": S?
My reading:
{"hour": 4, "minute": 33}
